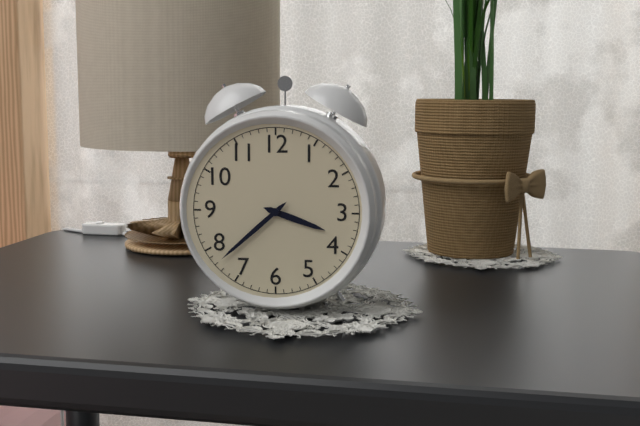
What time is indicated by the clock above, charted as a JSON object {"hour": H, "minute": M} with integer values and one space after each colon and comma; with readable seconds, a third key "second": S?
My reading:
{"hour": 3, "minute": 38}
